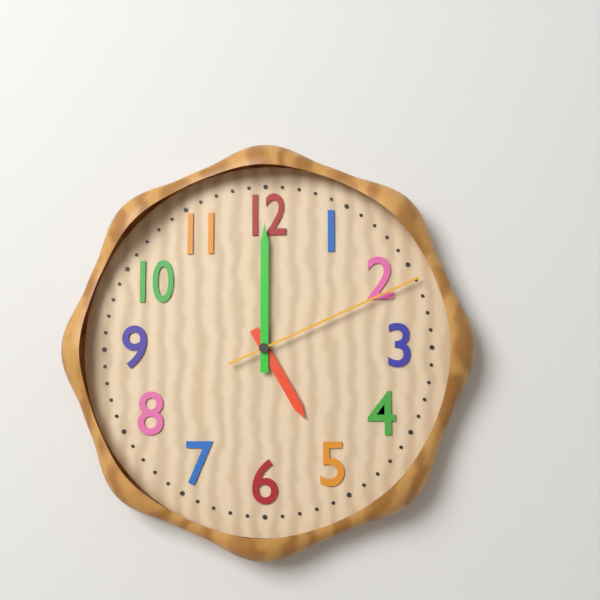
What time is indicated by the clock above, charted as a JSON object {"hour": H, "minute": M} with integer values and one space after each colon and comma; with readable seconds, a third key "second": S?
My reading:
{"hour": 5, "minute": 0, "second": 11}
